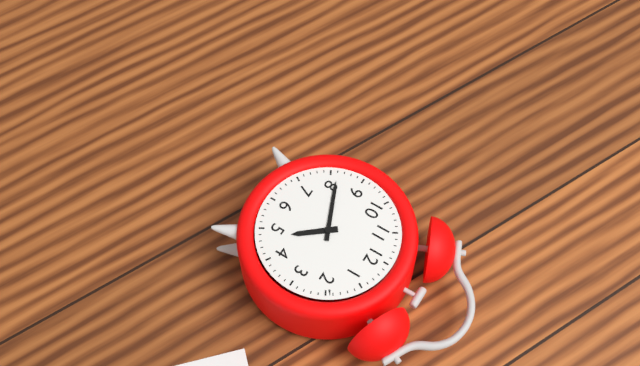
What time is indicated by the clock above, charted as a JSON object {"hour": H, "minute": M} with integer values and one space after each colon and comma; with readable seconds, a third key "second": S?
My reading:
{"hour": 4, "minute": 41}
